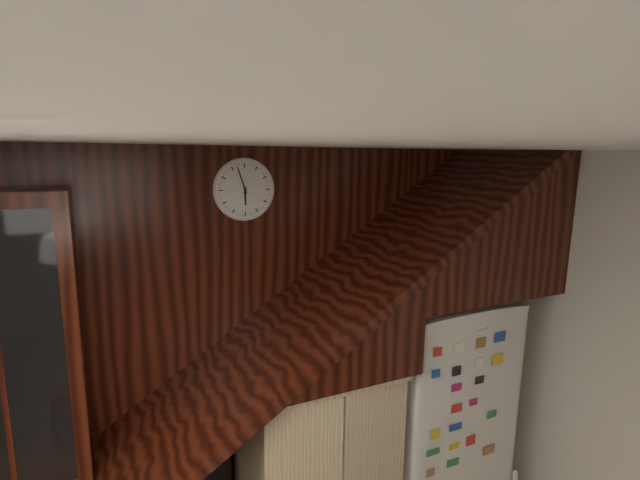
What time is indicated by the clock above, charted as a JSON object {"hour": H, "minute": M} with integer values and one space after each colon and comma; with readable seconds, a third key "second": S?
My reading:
{"hour": 5, "minute": 57}
